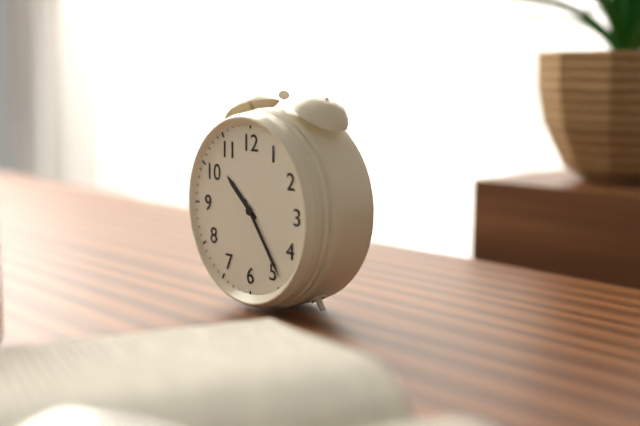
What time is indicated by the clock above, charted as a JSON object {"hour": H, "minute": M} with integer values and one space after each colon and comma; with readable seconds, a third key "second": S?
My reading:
{"hour": 10, "minute": 24}
